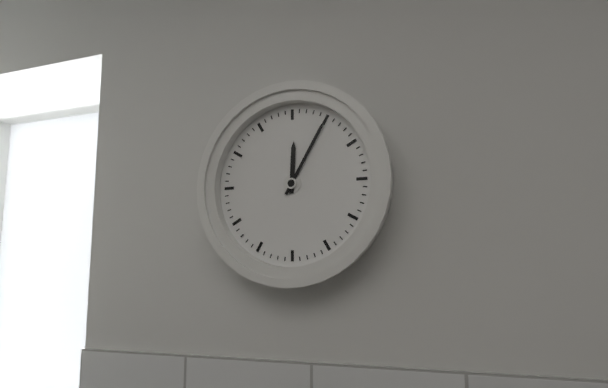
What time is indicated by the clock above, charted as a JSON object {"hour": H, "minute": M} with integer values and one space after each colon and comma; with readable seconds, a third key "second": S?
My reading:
{"hour": 12, "minute": 5}
